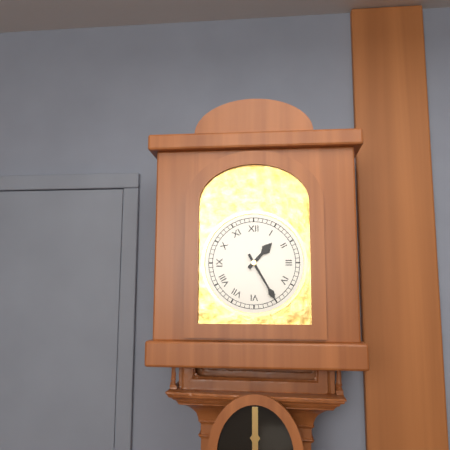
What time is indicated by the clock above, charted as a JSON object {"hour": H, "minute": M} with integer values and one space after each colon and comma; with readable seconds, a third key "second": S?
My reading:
{"hour": 1, "minute": 25}
